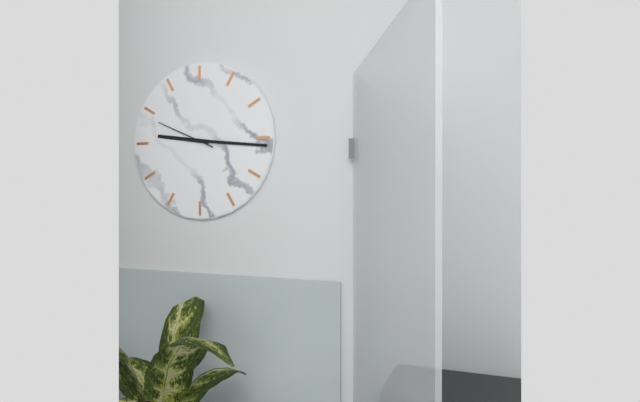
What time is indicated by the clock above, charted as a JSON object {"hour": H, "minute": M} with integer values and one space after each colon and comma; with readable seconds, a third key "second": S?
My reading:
{"hour": 9, "minute": 16, "second": 49}
